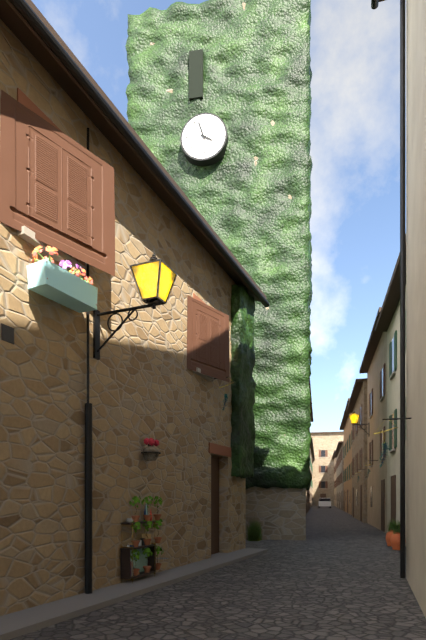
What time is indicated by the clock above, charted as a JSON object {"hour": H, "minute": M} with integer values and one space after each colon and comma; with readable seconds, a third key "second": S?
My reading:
{"hour": 3, "minute": 57}
